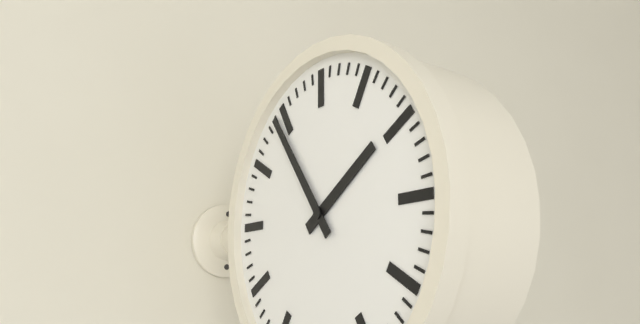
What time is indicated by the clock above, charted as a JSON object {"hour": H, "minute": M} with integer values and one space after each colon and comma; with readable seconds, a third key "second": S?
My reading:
{"hour": 1, "minute": 54}
